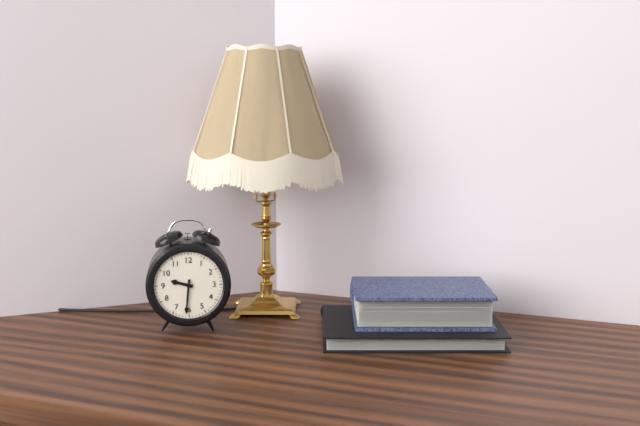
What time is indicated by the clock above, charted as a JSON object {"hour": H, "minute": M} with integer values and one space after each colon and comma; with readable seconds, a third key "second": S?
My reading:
{"hour": 9, "minute": 31}
